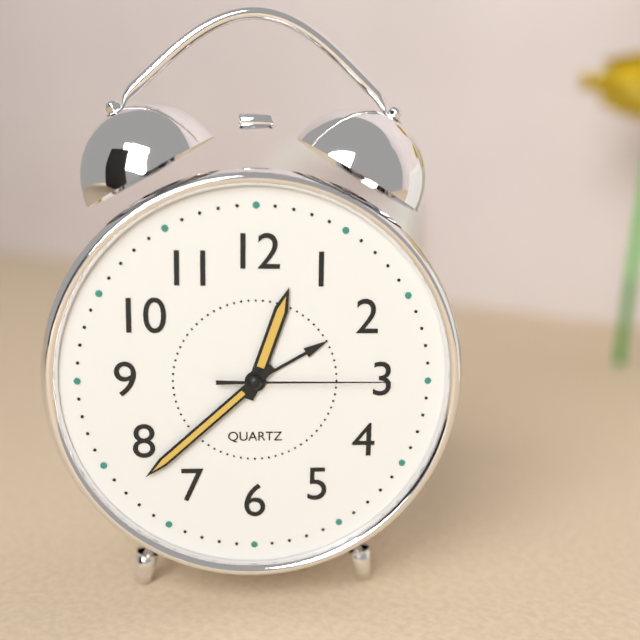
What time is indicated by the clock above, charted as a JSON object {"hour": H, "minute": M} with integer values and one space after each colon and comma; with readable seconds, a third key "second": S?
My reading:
{"hour": 12, "minute": 38, "second": 15}
